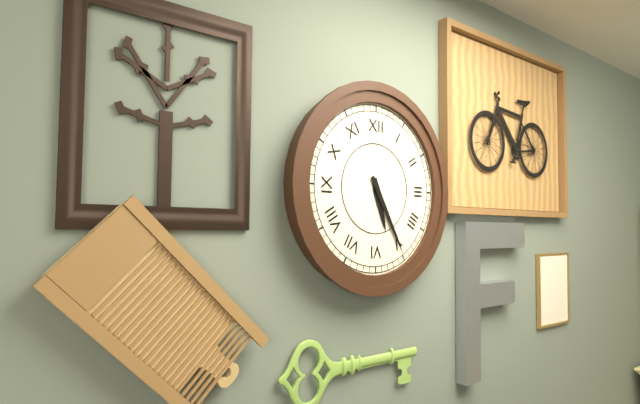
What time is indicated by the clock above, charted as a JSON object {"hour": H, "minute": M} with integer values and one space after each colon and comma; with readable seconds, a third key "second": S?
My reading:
{"hour": 5, "minute": 25}
